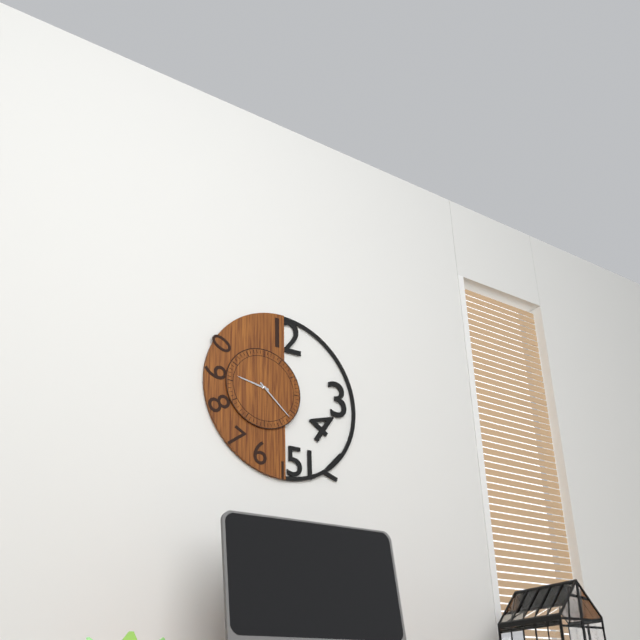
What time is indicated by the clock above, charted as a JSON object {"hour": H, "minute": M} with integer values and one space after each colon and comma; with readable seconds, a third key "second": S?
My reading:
{"hour": 9, "minute": 22}
